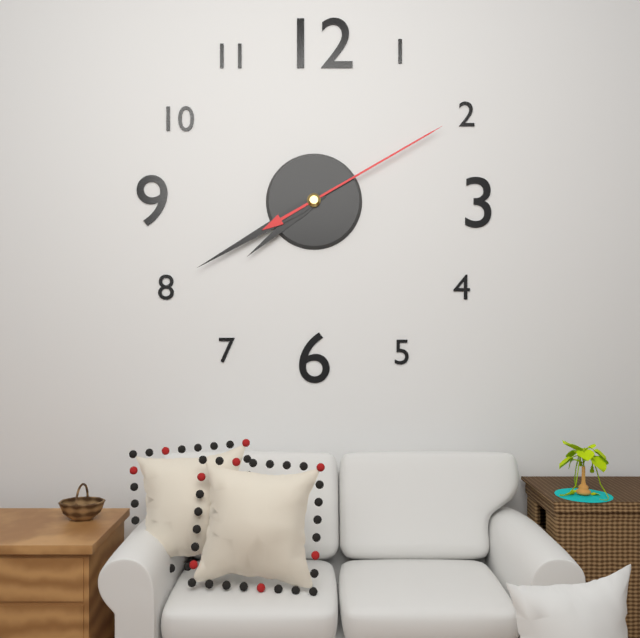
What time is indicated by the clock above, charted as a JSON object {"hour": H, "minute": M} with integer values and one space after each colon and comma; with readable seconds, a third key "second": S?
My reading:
{"hour": 7, "minute": 40, "second": 10}
